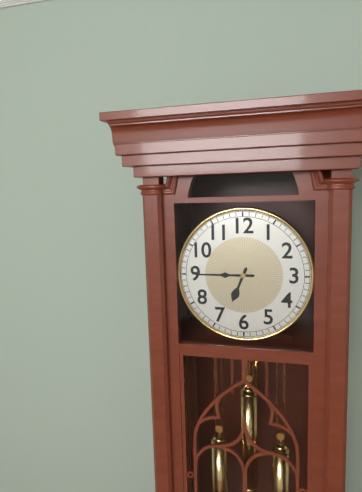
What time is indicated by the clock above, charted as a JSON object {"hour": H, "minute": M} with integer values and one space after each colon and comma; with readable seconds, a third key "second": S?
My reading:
{"hour": 6, "minute": 45}
